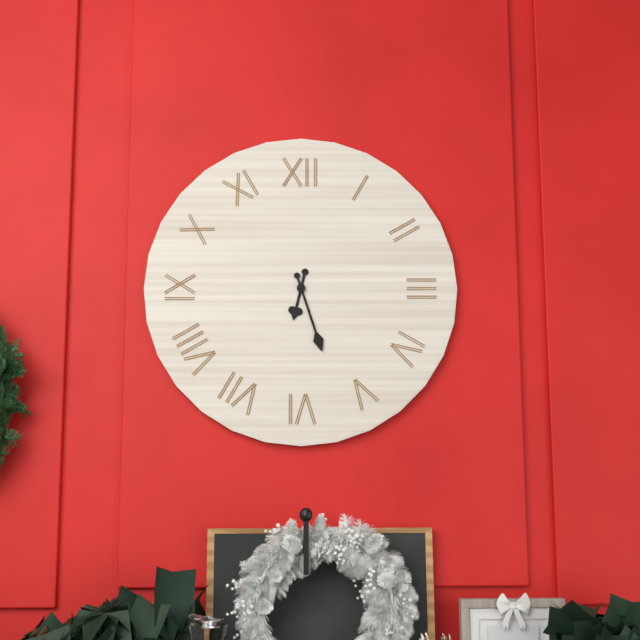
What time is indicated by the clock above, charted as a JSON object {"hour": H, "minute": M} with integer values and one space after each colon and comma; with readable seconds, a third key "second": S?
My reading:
{"hour": 6, "minute": 27}
